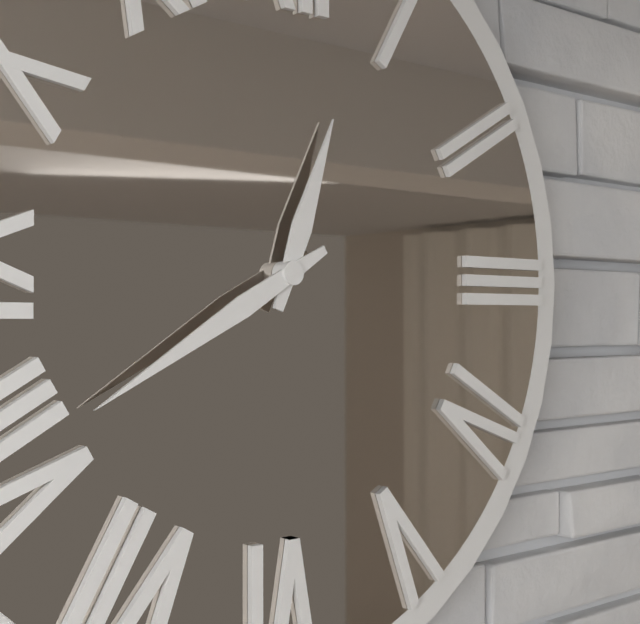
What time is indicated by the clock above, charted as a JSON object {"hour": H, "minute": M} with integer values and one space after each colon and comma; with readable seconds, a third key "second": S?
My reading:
{"hour": 12, "minute": 40}
